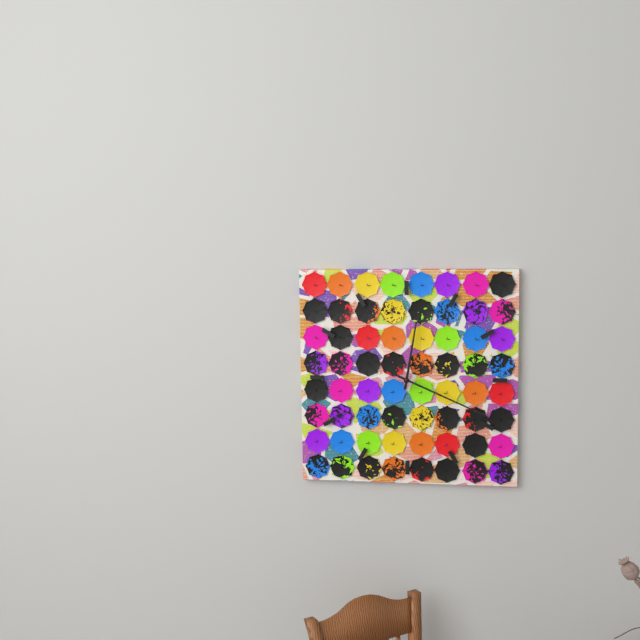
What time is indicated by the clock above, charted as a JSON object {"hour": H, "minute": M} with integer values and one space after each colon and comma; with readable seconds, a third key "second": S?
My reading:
{"hour": 12, "minute": 19}
